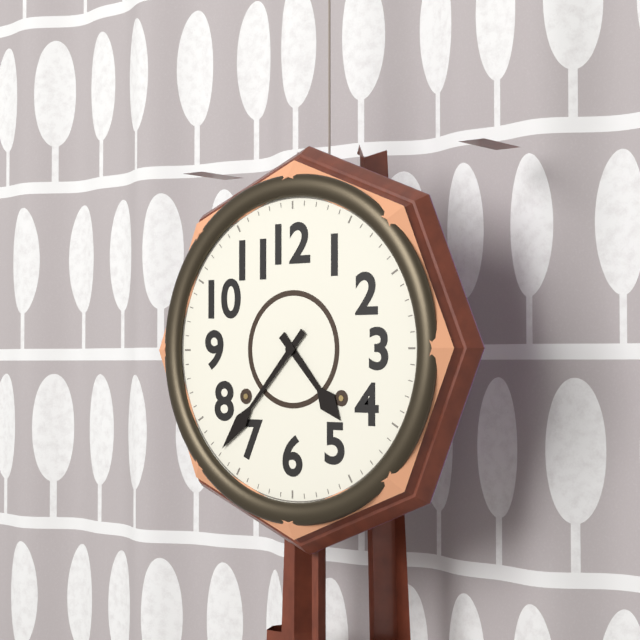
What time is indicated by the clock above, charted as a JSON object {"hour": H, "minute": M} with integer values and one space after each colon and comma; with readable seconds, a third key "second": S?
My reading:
{"hour": 4, "minute": 37}
